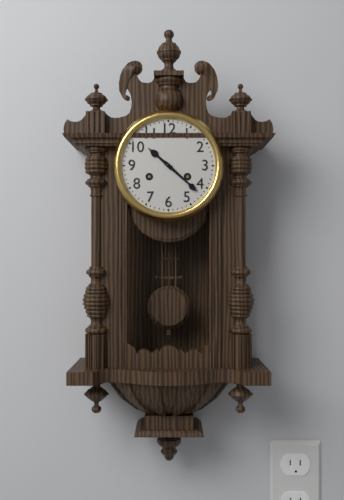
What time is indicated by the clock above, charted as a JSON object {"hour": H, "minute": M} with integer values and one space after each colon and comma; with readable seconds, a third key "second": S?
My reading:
{"hour": 10, "minute": 22}
